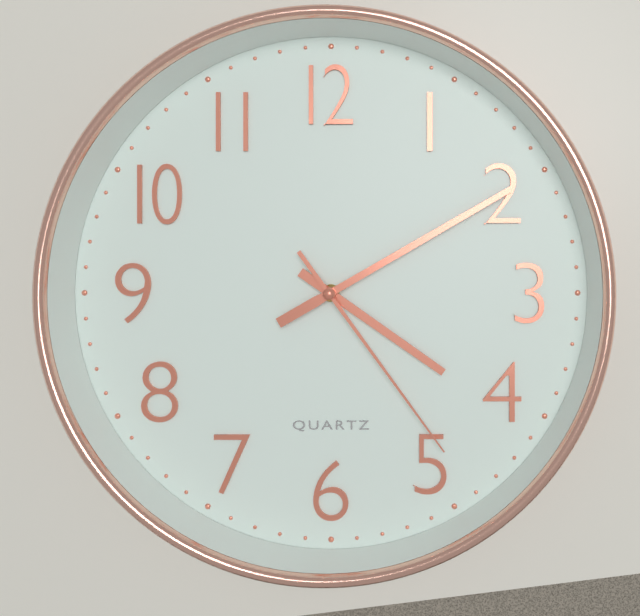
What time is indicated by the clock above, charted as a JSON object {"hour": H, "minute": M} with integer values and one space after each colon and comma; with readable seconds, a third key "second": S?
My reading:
{"hour": 4, "minute": 10, "second": 24}
